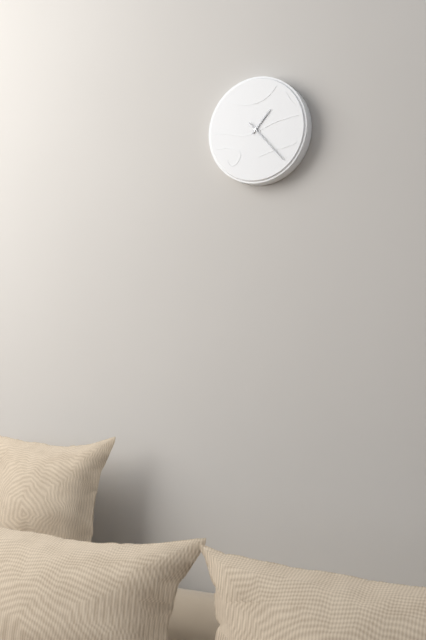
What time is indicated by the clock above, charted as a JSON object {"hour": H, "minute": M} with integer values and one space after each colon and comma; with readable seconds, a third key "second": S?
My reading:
{"hour": 1, "minute": 23}
